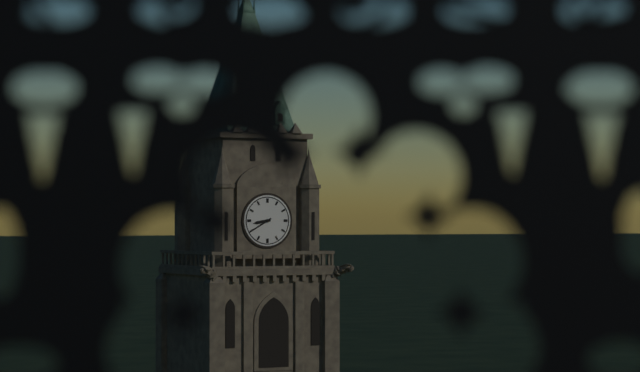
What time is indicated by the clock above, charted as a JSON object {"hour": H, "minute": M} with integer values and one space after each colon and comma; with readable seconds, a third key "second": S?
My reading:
{"hour": 8, "minute": 40}
